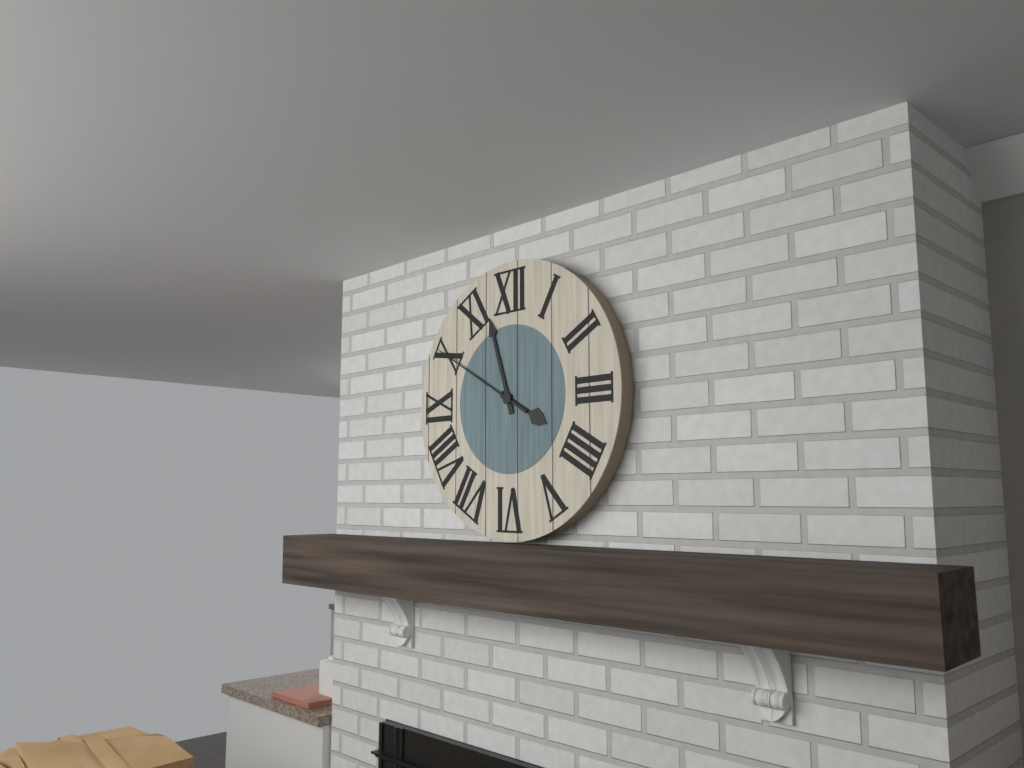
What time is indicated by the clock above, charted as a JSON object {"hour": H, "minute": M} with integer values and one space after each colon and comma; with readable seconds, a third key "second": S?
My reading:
{"hour": 3, "minute": 57, "second": 50}
